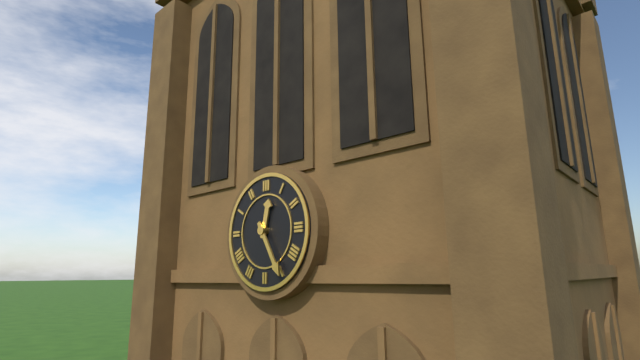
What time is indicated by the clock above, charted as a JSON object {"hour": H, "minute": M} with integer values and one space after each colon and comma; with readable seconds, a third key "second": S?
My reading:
{"hour": 12, "minute": 25}
